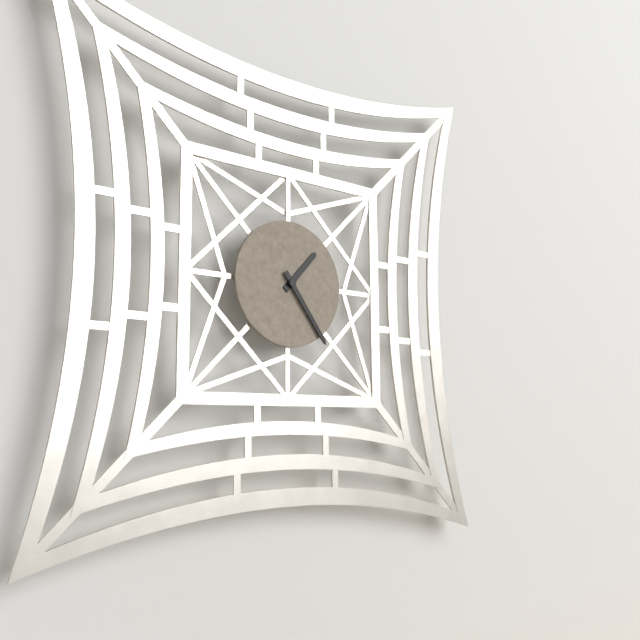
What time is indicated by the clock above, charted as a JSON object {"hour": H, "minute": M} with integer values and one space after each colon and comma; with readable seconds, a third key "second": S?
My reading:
{"hour": 1, "minute": 24}
